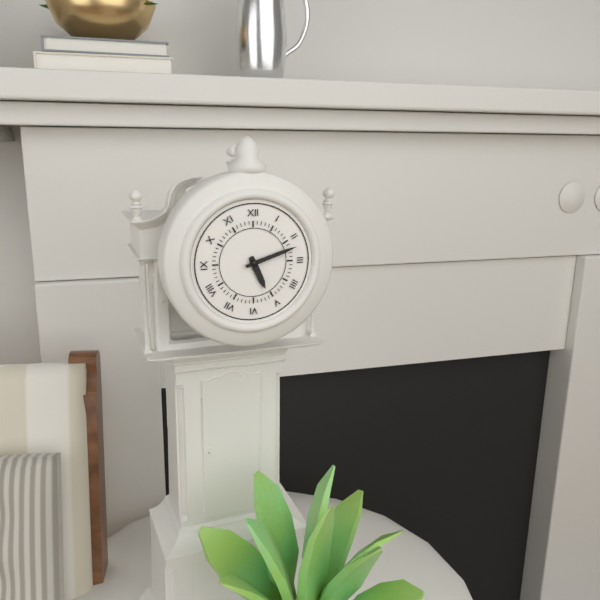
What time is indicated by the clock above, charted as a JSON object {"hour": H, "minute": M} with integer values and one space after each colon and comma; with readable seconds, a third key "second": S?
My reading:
{"hour": 5, "minute": 12}
